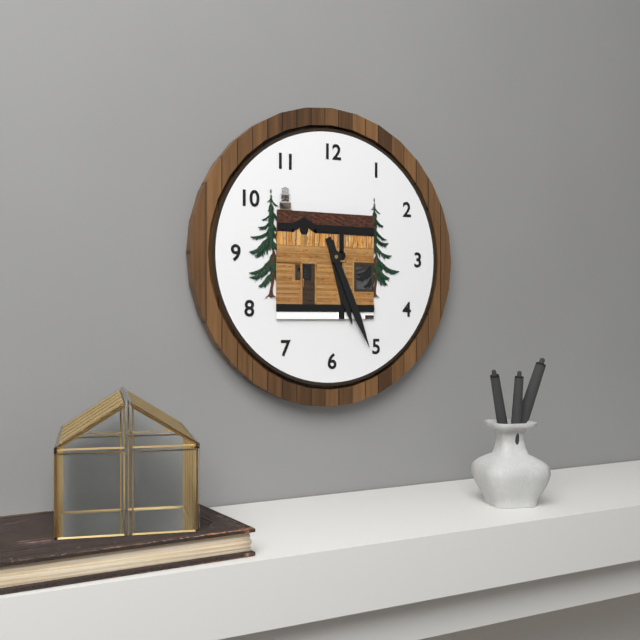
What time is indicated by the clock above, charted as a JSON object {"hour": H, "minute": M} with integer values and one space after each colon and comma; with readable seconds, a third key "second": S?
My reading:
{"hour": 5, "minute": 26}
